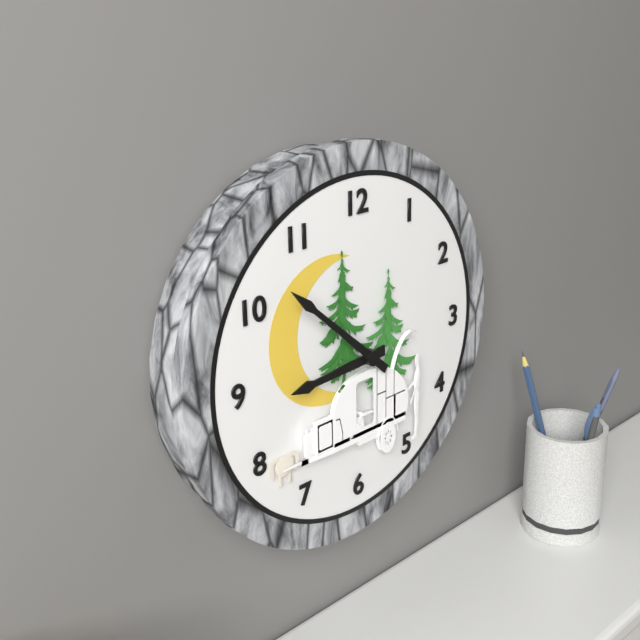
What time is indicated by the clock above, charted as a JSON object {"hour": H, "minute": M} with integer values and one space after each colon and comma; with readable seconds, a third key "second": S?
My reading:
{"hour": 8, "minute": 52}
